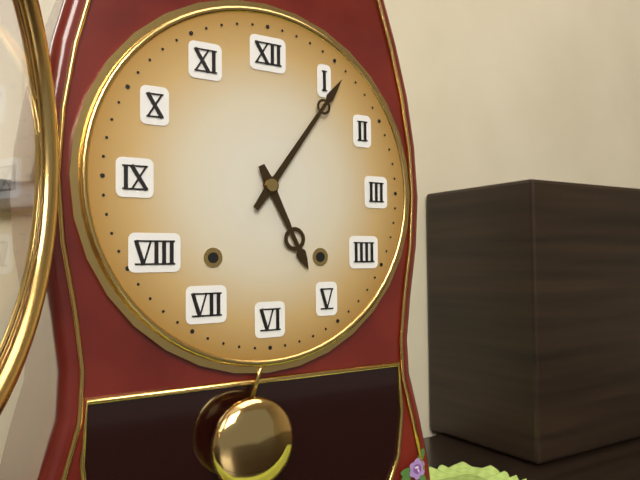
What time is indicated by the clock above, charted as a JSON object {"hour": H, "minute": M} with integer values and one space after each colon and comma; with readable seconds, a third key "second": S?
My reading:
{"hour": 5, "minute": 6}
